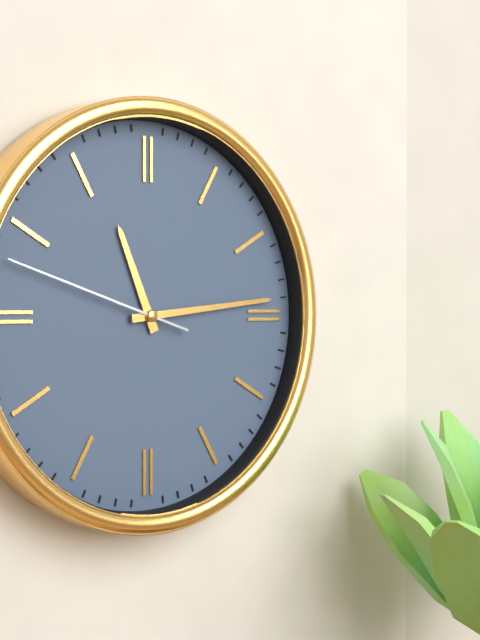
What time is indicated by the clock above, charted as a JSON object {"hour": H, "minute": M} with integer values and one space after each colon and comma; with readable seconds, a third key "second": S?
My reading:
{"hour": 11, "minute": 14, "second": 48}
